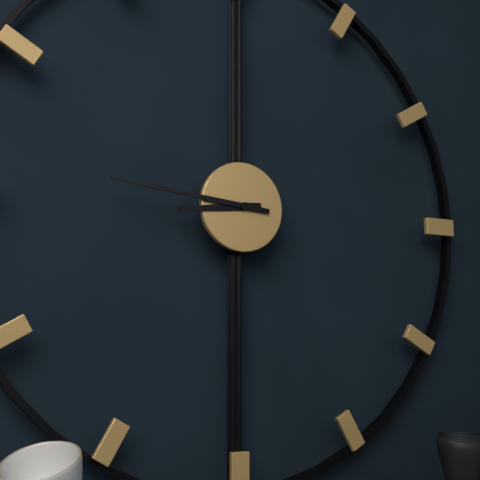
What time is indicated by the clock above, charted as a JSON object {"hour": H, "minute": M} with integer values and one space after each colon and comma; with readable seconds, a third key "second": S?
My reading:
{"hour": 8, "minute": 46}
